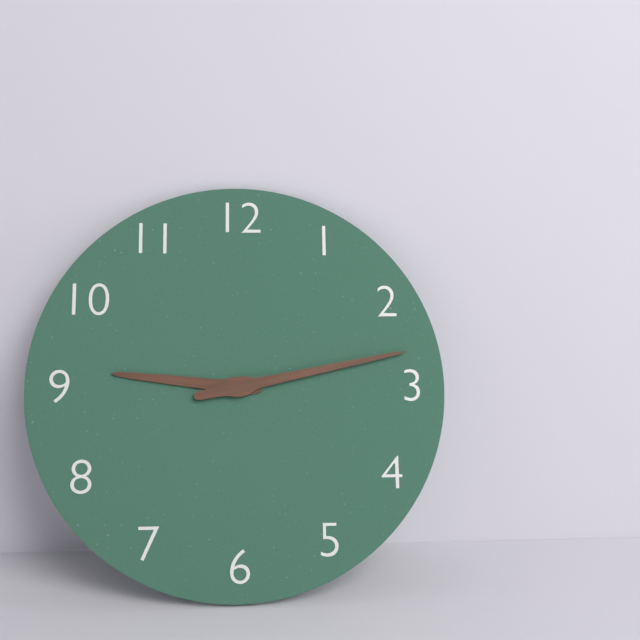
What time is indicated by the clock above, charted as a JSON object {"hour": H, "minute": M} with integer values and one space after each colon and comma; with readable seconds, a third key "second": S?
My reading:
{"hour": 9, "minute": 13}
